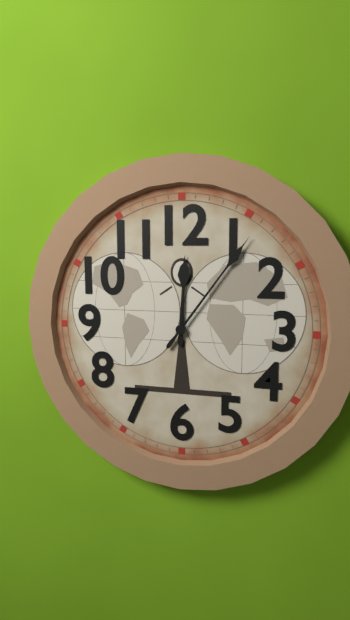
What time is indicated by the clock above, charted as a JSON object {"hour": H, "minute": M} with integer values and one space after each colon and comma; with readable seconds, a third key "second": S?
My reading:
{"hour": 12, "minute": 6}
